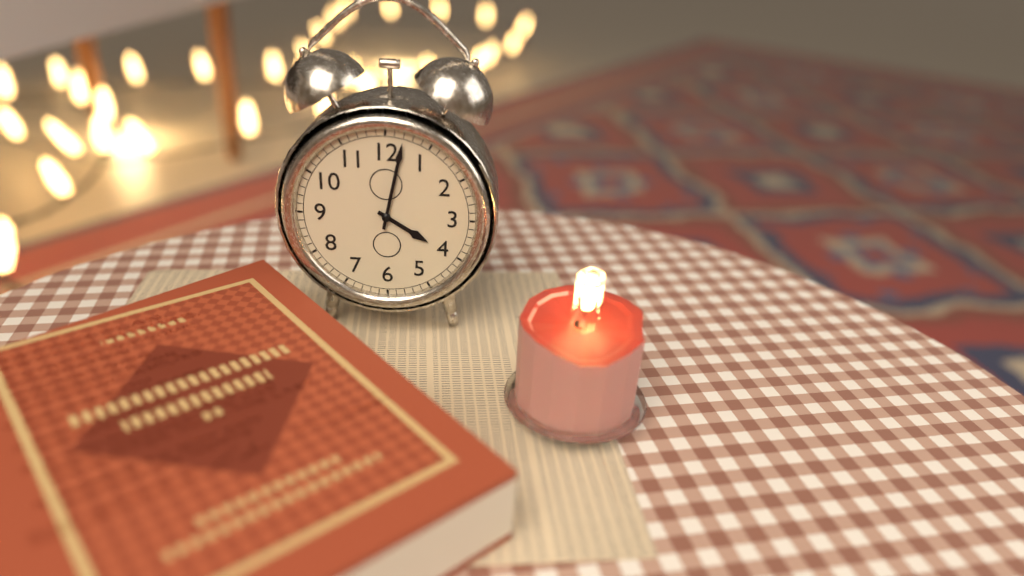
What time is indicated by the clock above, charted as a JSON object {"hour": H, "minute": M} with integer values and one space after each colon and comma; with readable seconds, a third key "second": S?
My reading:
{"hour": 4, "minute": 2}
